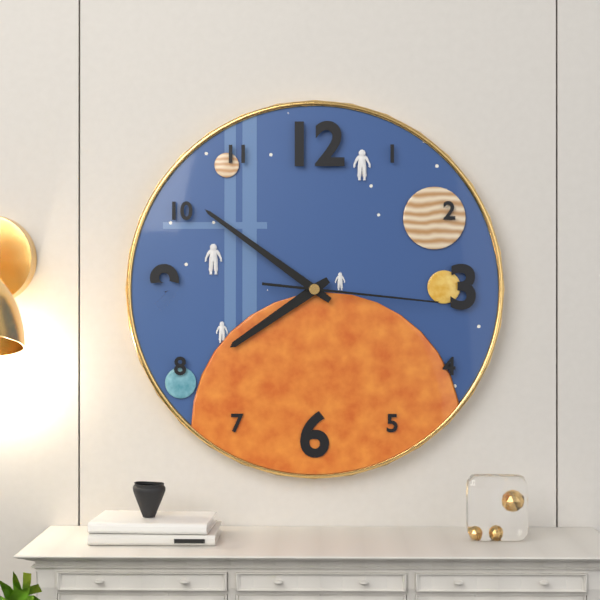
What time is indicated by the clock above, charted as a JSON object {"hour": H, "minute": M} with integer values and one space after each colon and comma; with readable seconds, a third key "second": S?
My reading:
{"hour": 7, "minute": 51, "second": 16}
